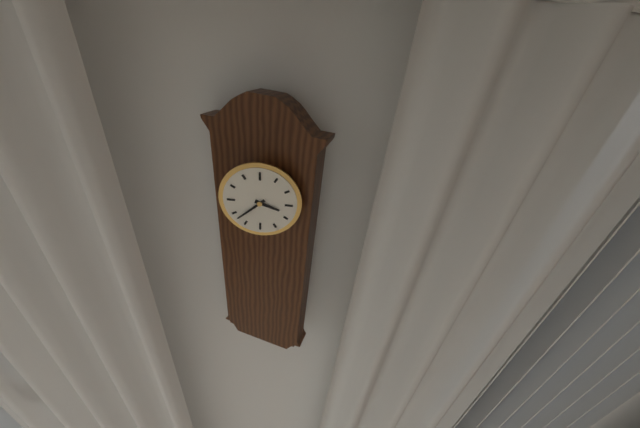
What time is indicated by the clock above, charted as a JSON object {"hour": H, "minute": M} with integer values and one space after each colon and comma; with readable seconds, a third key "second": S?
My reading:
{"hour": 3, "minute": 38}
